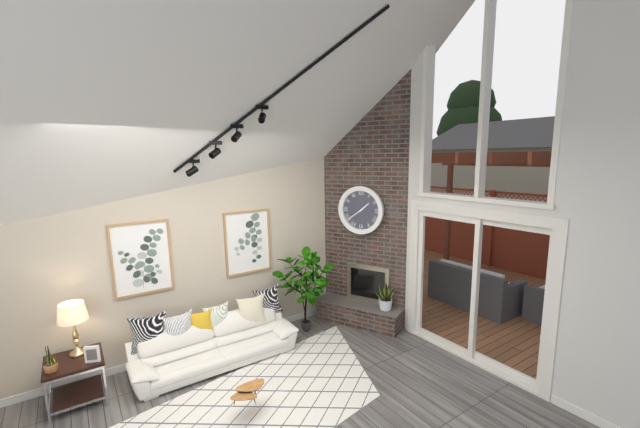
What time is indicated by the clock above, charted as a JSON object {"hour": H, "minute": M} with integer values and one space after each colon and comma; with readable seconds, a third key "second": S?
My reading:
{"hour": 1, "minute": 39}
